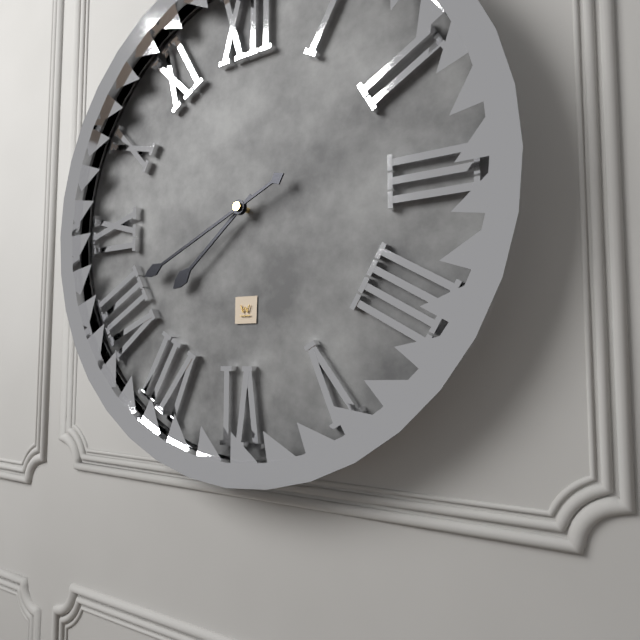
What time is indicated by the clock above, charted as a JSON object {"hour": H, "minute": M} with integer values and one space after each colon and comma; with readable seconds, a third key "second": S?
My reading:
{"hour": 7, "minute": 41}
